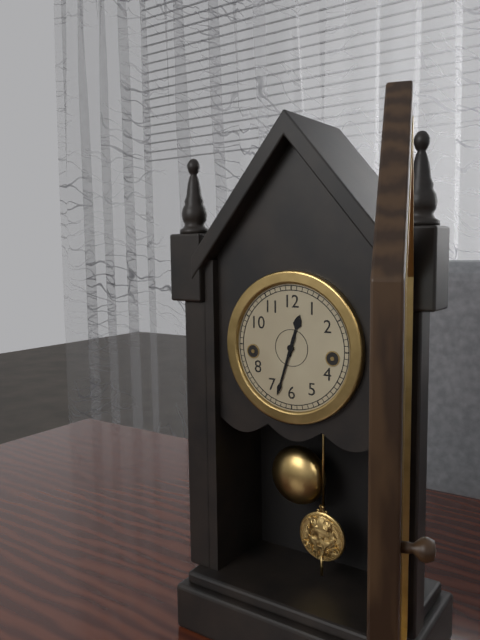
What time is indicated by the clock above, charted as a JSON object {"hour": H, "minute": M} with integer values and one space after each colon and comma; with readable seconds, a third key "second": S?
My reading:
{"hour": 12, "minute": 33}
